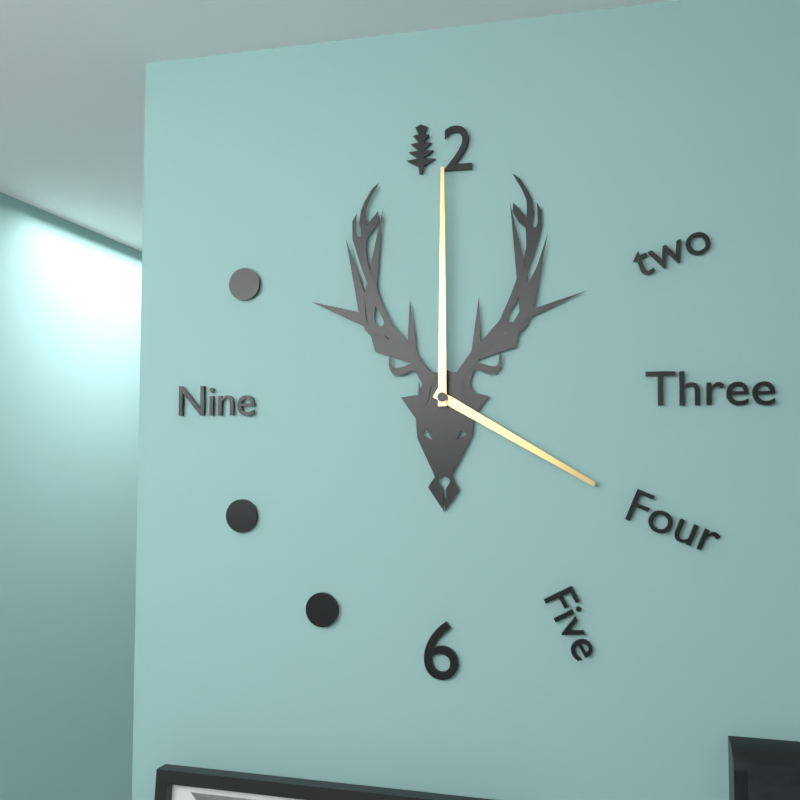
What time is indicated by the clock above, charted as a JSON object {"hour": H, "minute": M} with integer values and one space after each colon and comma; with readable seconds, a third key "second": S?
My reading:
{"hour": 4, "minute": 0}
